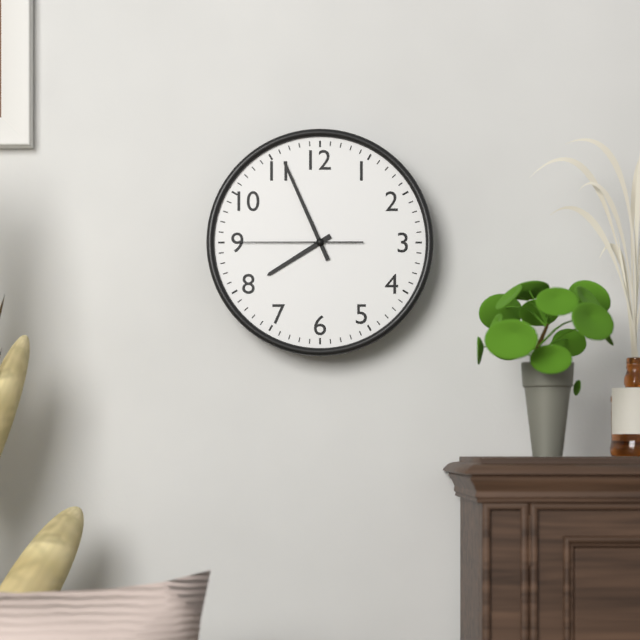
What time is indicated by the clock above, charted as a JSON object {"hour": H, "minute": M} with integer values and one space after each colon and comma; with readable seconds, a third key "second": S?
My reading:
{"hour": 7, "minute": 56, "second": 45}
